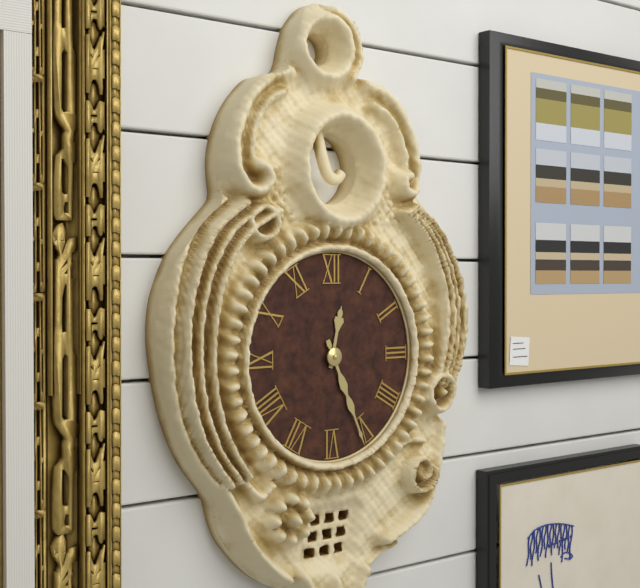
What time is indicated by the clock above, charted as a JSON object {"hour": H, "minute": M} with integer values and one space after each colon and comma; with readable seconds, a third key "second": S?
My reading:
{"hour": 12, "minute": 26}
